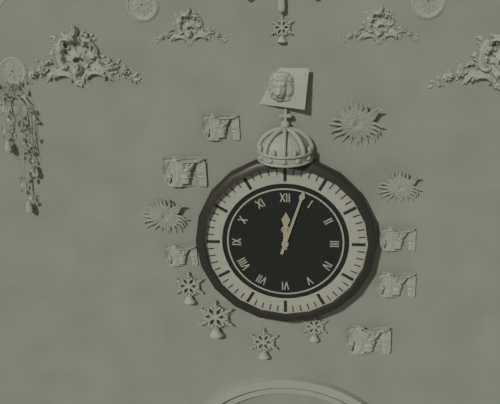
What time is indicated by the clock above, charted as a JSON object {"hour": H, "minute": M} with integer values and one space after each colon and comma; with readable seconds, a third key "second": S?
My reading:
{"hour": 12, "minute": 3}
